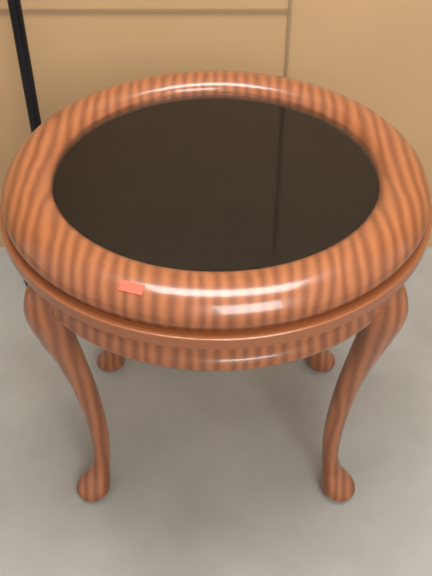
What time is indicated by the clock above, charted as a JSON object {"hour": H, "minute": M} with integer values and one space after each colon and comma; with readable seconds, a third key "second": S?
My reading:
{"hour": 9, "minute": 28}
